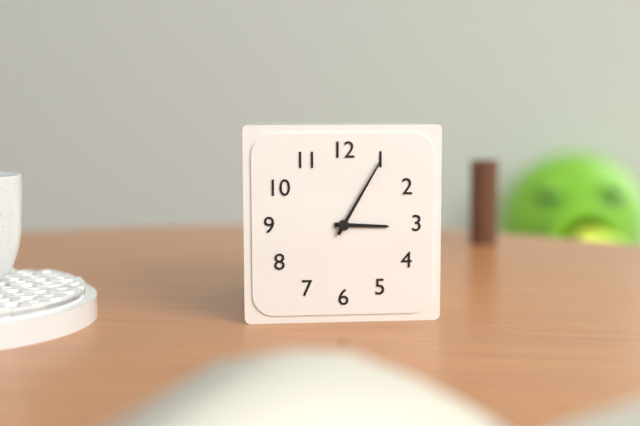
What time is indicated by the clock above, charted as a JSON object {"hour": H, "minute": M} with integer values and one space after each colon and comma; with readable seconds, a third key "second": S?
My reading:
{"hour": 3, "minute": 5}
